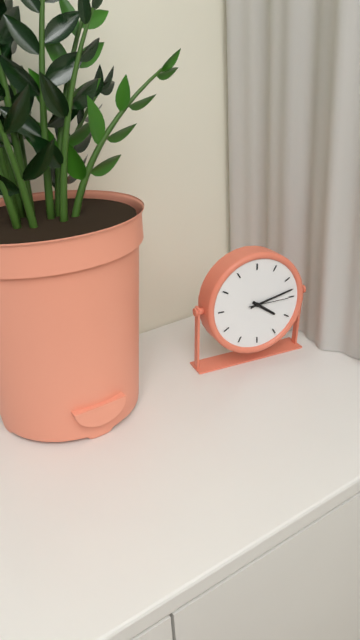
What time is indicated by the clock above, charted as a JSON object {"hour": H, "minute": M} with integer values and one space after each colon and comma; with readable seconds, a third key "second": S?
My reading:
{"hour": 4, "minute": 13}
